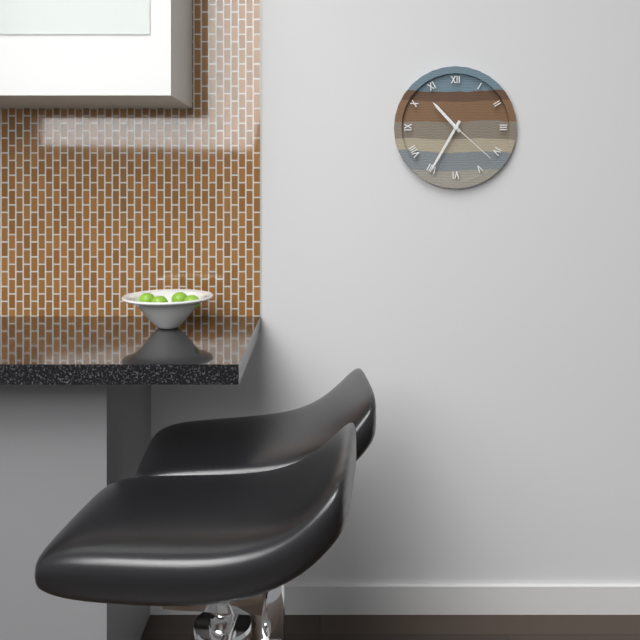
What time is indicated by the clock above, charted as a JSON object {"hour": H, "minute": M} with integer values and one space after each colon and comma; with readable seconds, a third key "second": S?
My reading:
{"hour": 10, "minute": 35, "second": 22}
